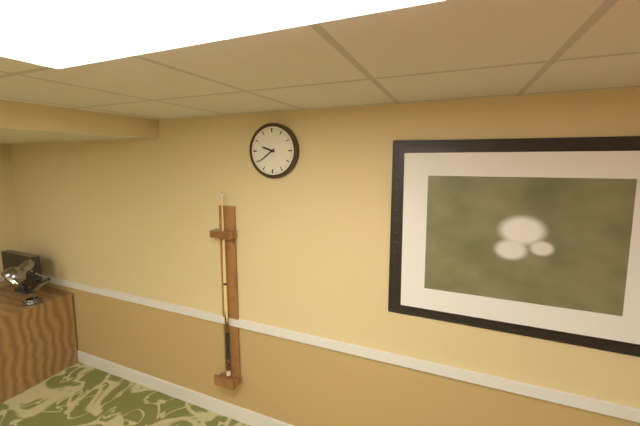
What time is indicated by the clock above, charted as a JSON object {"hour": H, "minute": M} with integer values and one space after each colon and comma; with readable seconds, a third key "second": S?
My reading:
{"hour": 9, "minute": 39}
